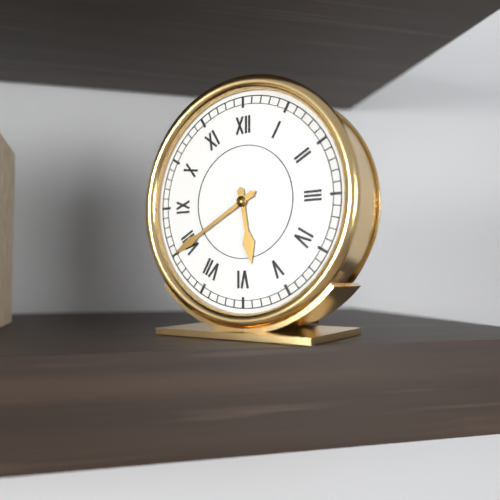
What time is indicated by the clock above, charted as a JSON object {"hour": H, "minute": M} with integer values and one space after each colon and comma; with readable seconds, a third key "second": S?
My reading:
{"hour": 5, "minute": 40}
